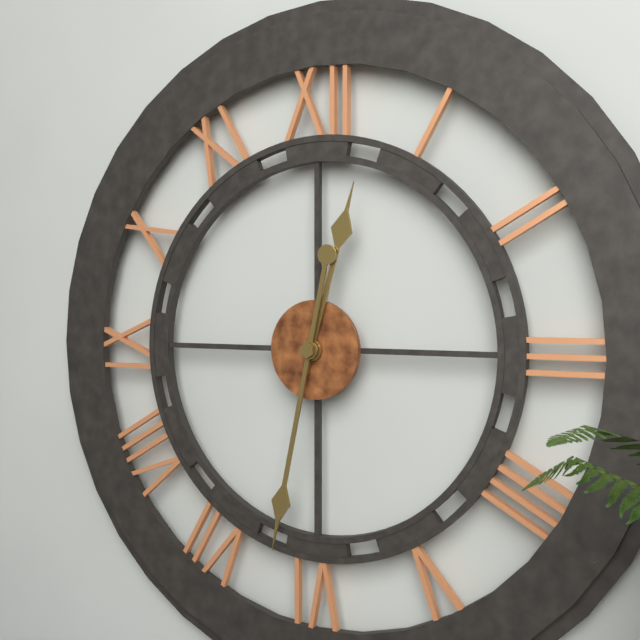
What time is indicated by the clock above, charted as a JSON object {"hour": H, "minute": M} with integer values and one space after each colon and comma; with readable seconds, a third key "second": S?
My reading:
{"hour": 12, "minute": 32}
